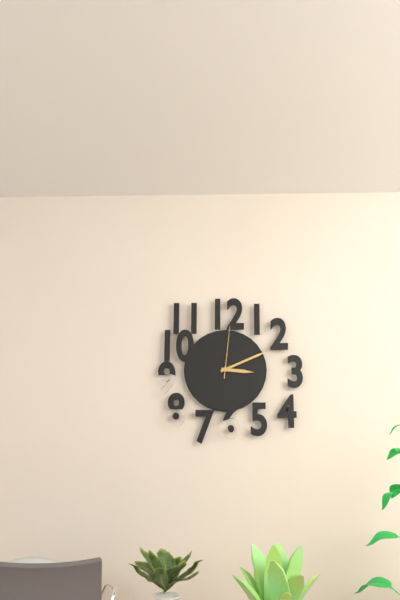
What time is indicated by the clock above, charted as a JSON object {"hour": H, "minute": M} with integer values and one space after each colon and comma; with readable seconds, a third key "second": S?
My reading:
{"hour": 3, "minute": 11, "second": 1}
